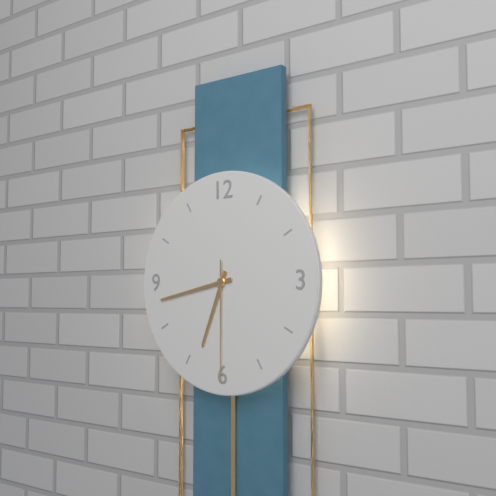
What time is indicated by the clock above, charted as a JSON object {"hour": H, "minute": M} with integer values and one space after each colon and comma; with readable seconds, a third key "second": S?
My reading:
{"hour": 6, "minute": 43, "second": 30}
